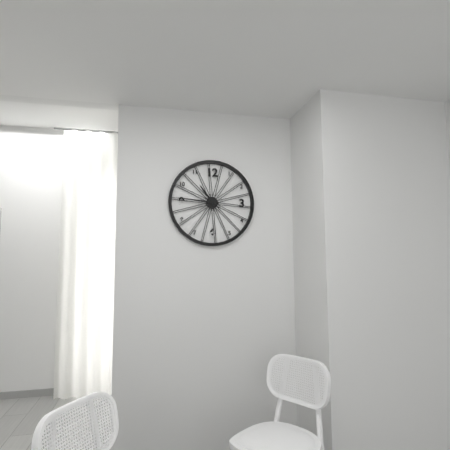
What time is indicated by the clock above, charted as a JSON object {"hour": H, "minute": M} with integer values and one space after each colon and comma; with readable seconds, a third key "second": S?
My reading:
{"hour": 10, "minute": 46}
